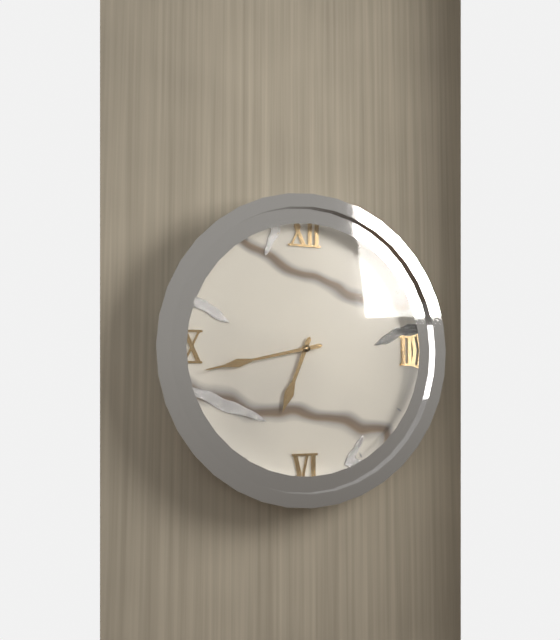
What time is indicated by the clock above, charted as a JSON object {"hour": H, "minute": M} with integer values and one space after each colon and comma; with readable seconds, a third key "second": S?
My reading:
{"hour": 6, "minute": 43}
